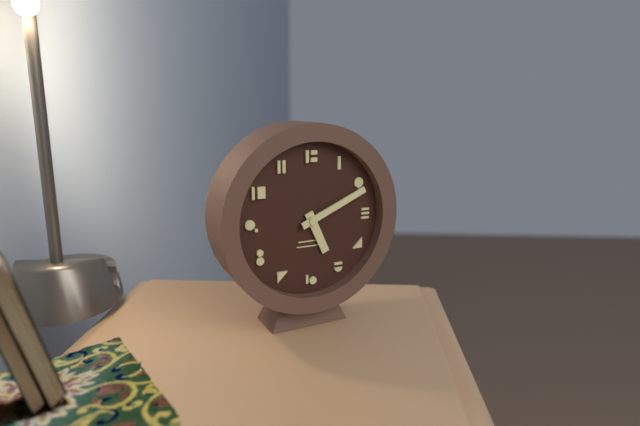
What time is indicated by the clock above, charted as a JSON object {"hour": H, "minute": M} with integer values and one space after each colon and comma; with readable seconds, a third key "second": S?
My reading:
{"hour": 5, "minute": 11}
